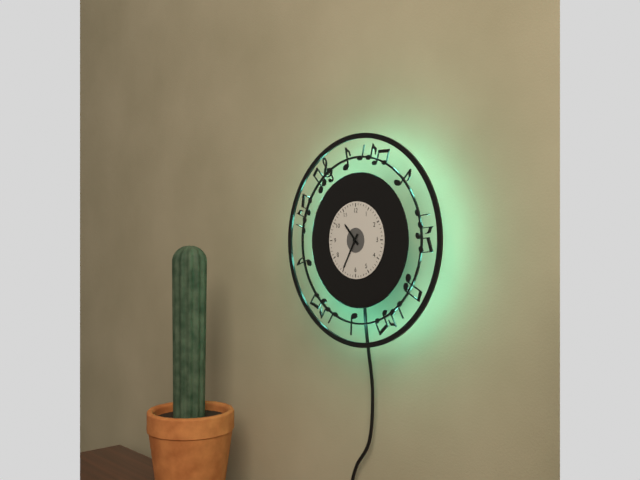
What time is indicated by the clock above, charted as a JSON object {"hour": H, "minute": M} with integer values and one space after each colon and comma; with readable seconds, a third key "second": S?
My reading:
{"hour": 10, "minute": 35}
